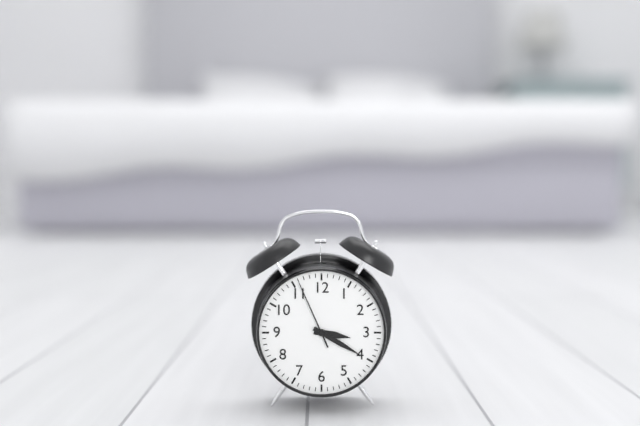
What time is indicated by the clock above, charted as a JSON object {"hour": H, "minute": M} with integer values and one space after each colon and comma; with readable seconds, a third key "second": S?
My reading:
{"hour": 3, "minute": 20, "second": 56}
